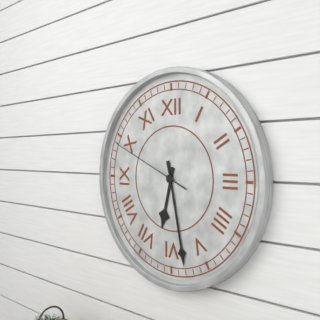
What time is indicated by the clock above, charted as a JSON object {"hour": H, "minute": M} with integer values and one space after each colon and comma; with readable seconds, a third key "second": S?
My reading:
{"hour": 6, "minute": 28, "second": 49}
